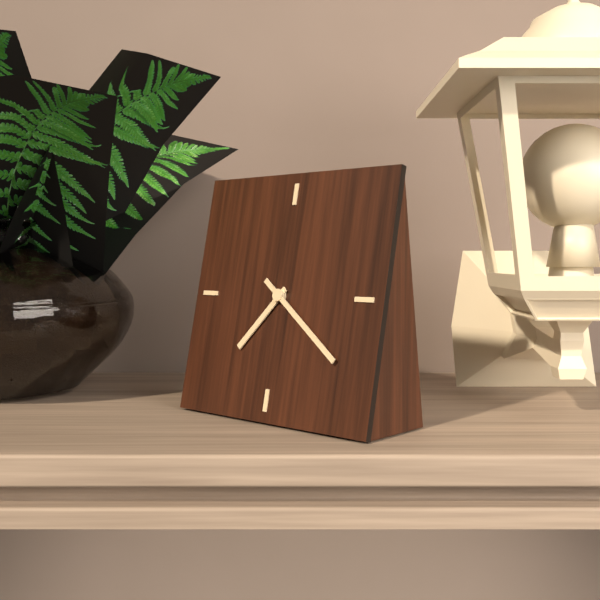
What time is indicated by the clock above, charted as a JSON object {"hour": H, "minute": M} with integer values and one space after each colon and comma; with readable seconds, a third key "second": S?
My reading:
{"hour": 7, "minute": 21}
